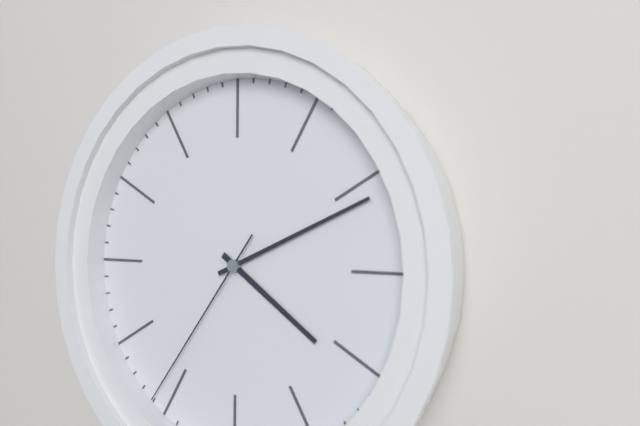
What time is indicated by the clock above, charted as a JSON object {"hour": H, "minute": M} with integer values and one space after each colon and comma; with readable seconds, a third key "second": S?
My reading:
{"hour": 4, "minute": 11, "second": 36}
